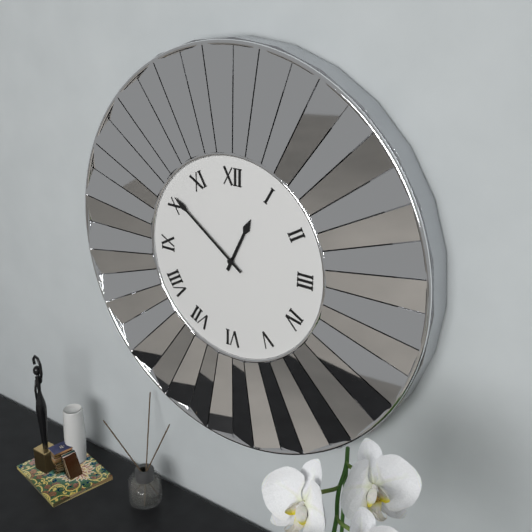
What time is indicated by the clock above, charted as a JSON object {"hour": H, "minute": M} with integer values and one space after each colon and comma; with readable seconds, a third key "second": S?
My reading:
{"hour": 12, "minute": 51}
